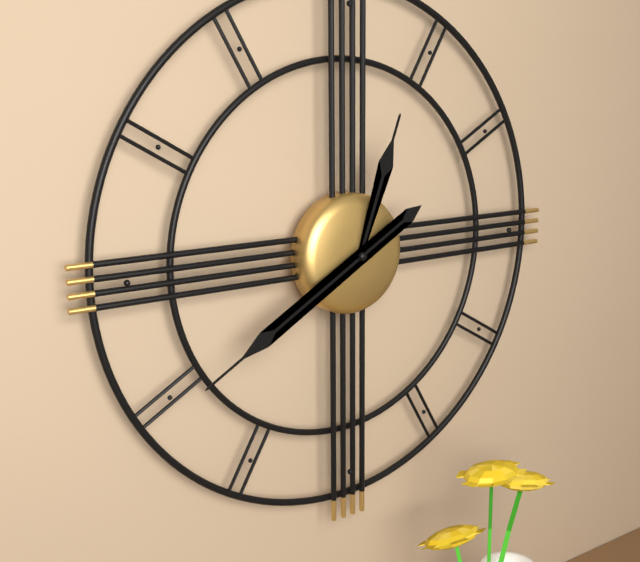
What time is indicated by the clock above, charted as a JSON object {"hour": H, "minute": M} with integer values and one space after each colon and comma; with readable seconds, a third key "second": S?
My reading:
{"hour": 12, "minute": 40}
